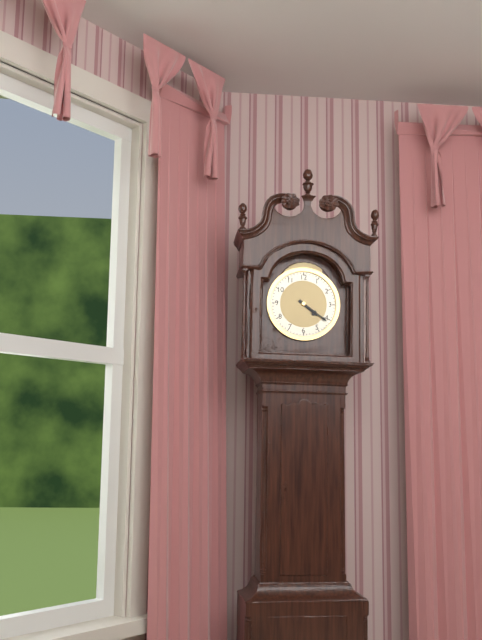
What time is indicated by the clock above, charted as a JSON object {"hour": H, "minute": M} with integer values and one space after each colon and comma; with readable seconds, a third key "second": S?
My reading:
{"hour": 4, "minute": 21}
